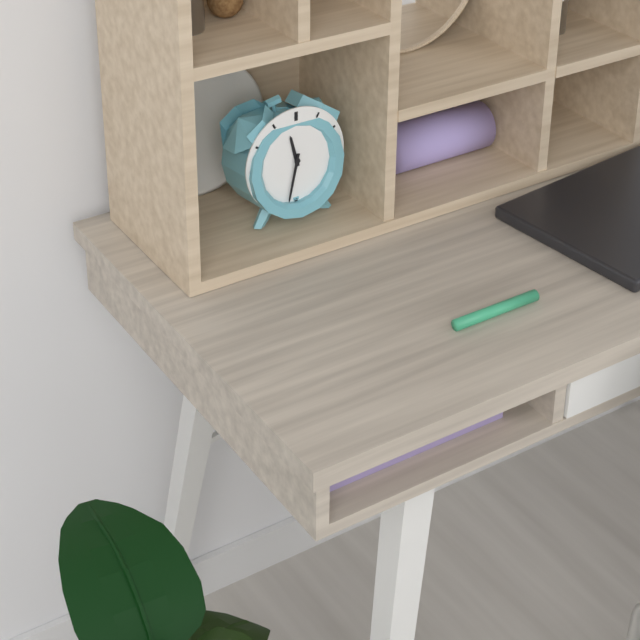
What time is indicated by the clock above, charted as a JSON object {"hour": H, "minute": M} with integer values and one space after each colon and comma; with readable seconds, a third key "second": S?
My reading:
{"hour": 11, "minute": 32}
